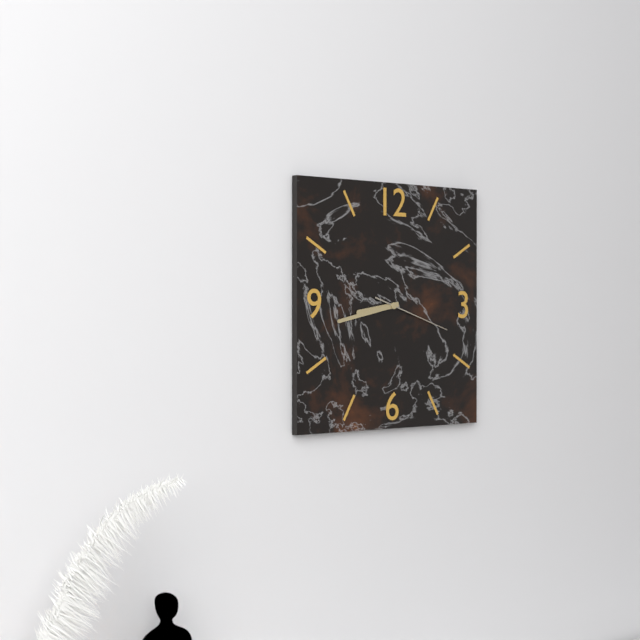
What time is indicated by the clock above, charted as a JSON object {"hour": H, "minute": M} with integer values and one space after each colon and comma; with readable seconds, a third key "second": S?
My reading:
{"hour": 8, "minute": 43, "second": 18}
